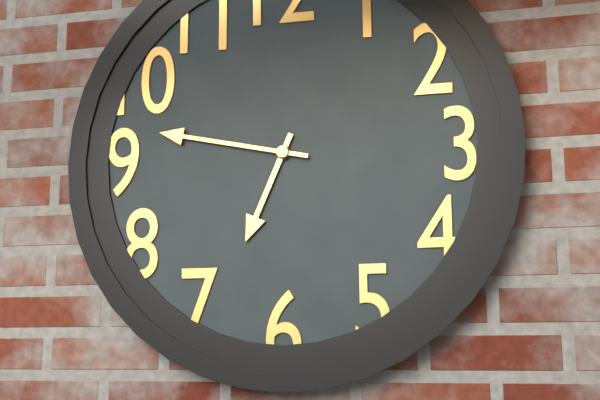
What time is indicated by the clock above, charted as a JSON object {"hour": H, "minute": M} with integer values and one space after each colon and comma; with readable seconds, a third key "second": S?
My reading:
{"hour": 6, "minute": 47}
